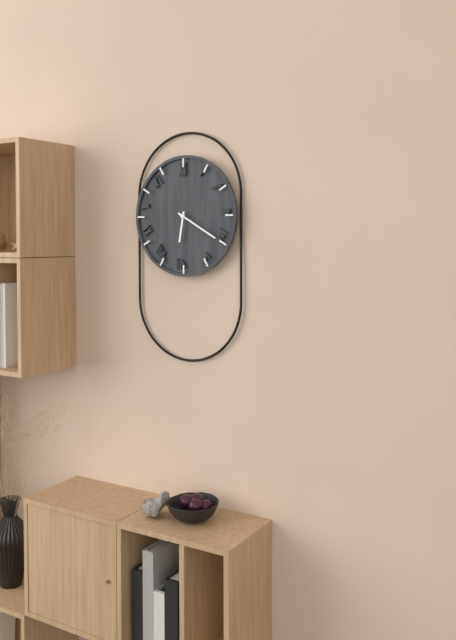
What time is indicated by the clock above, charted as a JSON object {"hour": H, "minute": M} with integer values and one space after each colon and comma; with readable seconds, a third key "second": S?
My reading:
{"hour": 6, "minute": 20}
